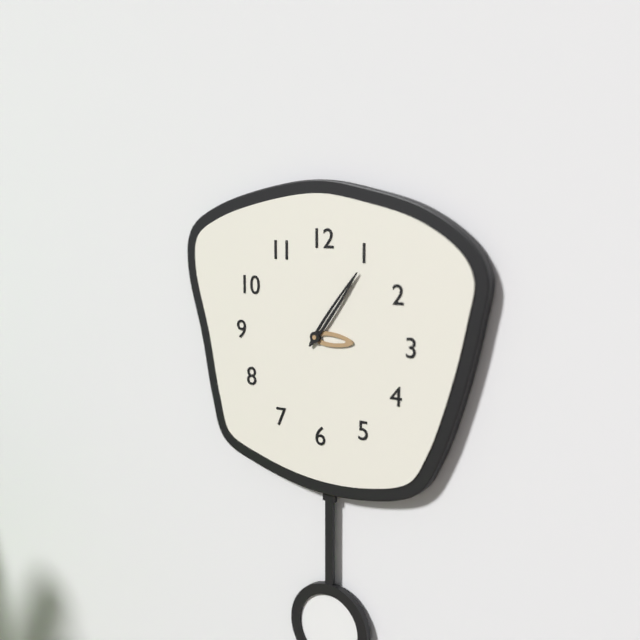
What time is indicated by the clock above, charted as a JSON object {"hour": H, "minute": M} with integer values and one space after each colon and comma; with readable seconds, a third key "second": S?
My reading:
{"hour": 3, "minute": 6}
